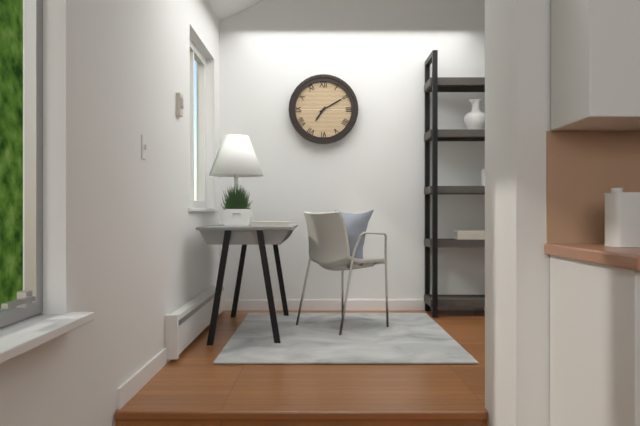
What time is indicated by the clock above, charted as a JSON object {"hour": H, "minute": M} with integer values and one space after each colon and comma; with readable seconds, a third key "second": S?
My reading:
{"hour": 7, "minute": 10}
